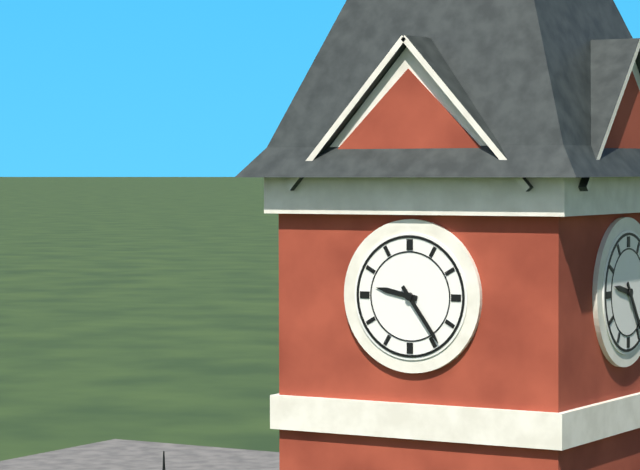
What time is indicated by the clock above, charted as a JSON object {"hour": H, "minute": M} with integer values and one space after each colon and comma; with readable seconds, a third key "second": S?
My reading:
{"hour": 9, "minute": 24}
